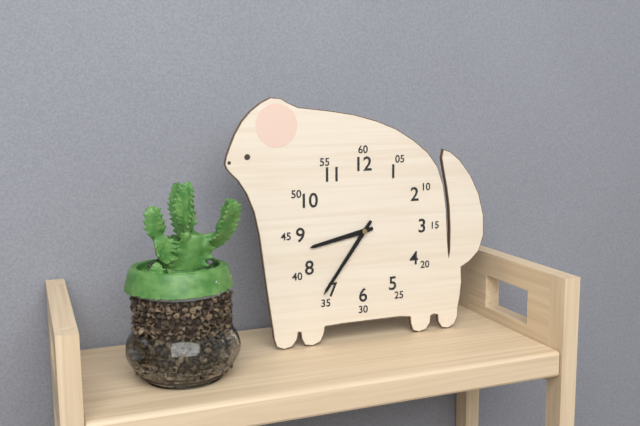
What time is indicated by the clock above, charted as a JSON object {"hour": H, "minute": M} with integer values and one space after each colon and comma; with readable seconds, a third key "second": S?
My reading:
{"hour": 8, "minute": 36}
